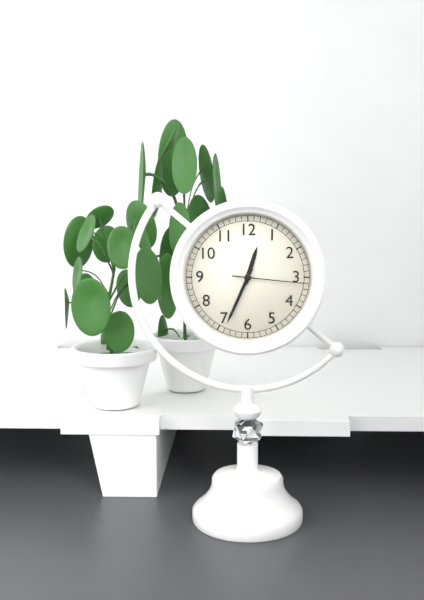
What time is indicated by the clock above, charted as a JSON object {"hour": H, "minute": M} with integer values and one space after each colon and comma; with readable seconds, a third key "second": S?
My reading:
{"hour": 12, "minute": 34, "second": 16}
